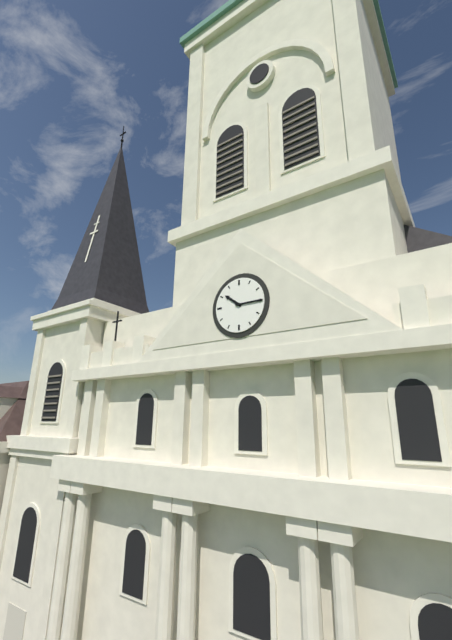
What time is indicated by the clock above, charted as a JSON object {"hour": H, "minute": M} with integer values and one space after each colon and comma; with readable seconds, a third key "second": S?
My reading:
{"hour": 10, "minute": 15}
